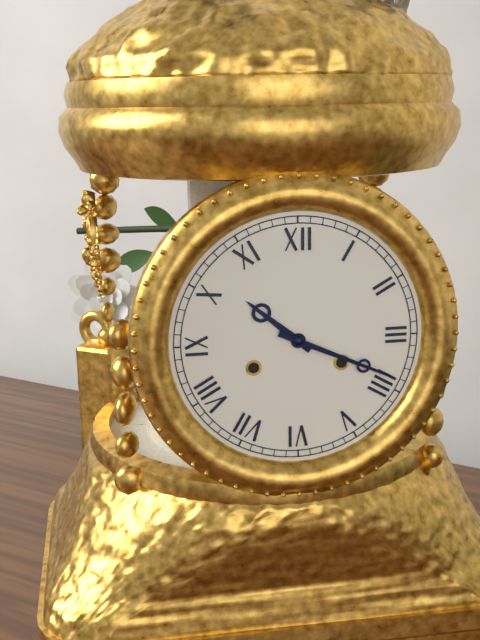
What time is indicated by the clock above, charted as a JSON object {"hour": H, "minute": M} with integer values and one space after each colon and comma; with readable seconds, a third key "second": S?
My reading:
{"hour": 10, "minute": 19}
